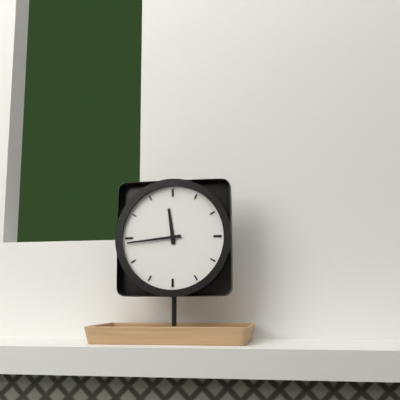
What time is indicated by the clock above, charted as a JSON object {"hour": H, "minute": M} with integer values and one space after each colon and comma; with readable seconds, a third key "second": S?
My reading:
{"hour": 11, "minute": 44}
